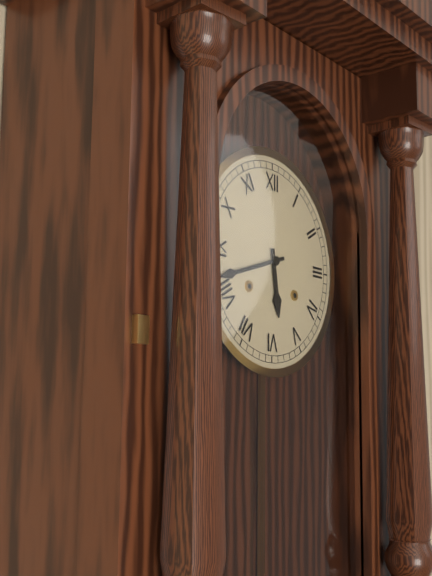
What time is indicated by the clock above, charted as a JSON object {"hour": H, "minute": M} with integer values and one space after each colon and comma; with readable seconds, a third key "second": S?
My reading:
{"hour": 5, "minute": 42}
